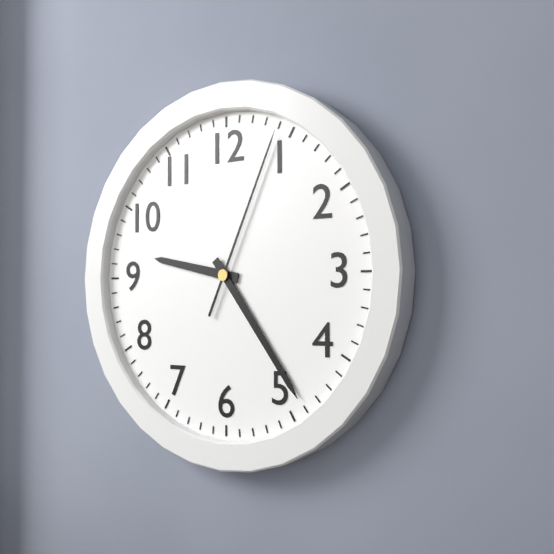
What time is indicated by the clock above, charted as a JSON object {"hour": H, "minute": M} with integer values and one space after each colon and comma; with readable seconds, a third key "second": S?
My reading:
{"hour": 9, "minute": 24, "second": 4}
